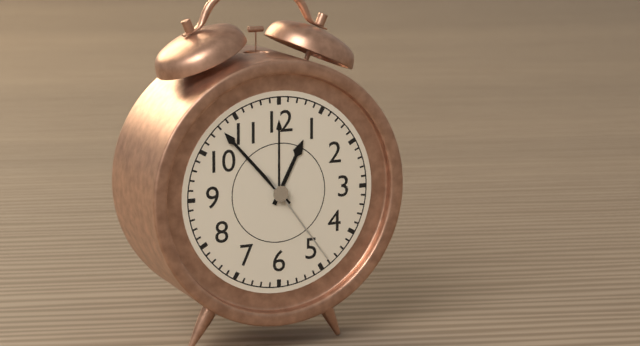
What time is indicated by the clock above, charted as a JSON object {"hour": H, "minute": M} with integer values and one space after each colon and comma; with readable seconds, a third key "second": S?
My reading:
{"hour": 12, "minute": 53, "second": 24}
